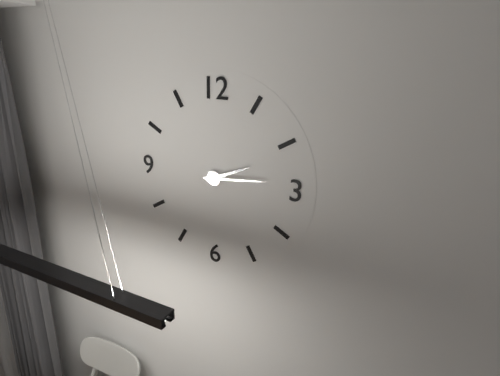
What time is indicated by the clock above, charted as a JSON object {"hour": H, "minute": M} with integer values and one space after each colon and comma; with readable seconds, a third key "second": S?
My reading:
{"hour": 2, "minute": 14}
